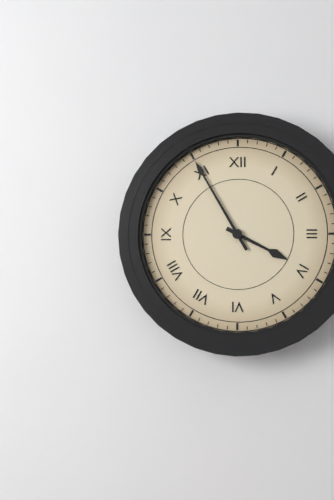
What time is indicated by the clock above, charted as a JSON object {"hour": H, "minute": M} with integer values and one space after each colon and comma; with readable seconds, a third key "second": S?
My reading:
{"hour": 3, "minute": 55}
